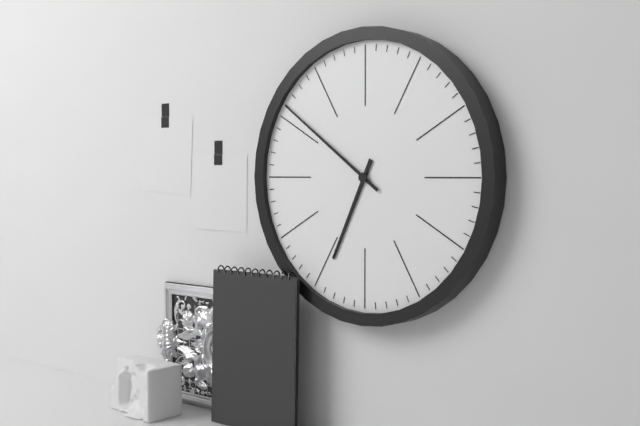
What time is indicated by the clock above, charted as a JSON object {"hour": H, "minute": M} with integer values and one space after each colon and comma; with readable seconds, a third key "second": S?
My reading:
{"hour": 6, "minute": 51}
